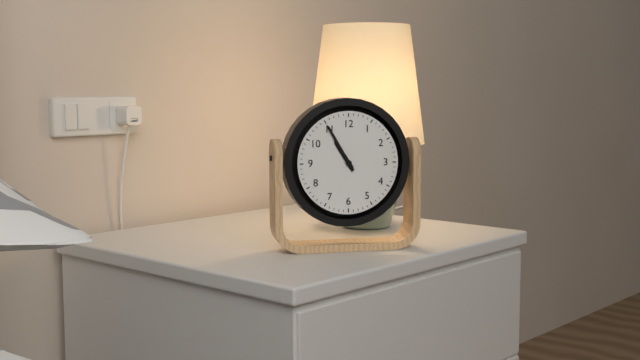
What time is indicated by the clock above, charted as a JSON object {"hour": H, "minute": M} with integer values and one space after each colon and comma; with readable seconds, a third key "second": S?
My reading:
{"hour": 10, "minute": 55}
